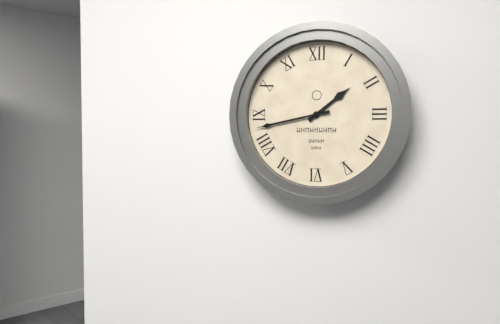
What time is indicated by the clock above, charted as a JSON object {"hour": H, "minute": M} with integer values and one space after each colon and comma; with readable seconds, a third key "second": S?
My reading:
{"hour": 1, "minute": 43}
